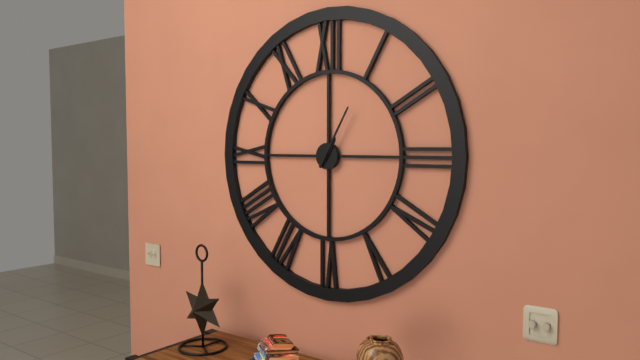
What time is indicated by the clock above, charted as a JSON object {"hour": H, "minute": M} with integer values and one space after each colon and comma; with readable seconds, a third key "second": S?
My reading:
{"hour": 1, "minute": 5}
